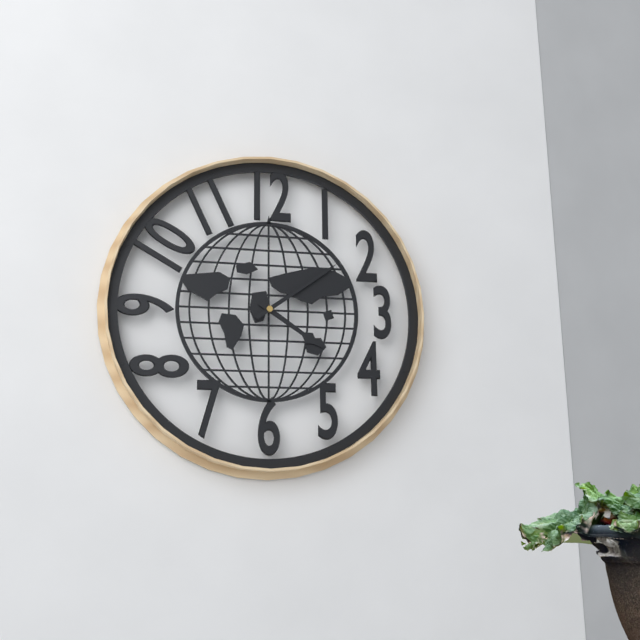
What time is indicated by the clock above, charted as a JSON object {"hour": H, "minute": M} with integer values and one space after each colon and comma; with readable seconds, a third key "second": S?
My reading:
{"hour": 4, "minute": 9}
